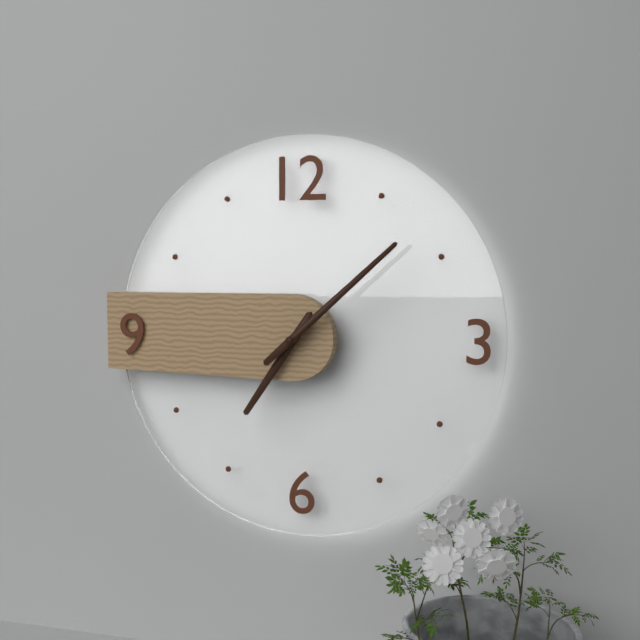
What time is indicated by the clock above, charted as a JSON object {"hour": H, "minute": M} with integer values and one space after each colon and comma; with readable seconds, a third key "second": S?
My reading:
{"hour": 7, "minute": 8}
